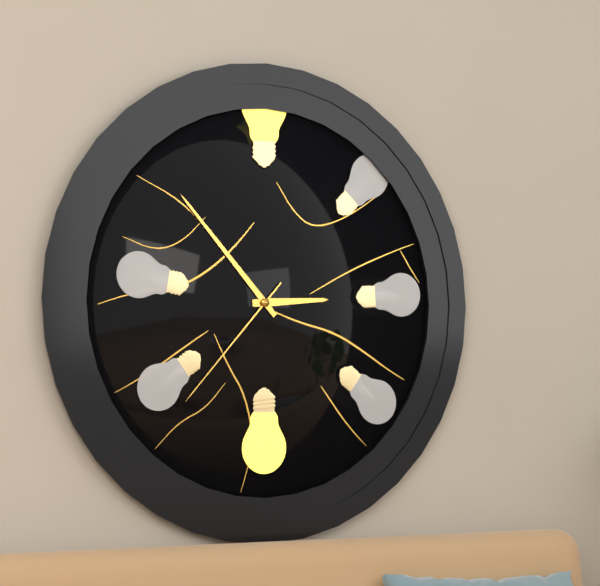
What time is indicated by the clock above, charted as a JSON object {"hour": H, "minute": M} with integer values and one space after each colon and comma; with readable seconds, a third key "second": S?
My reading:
{"hour": 2, "minute": 53, "second": 37}
